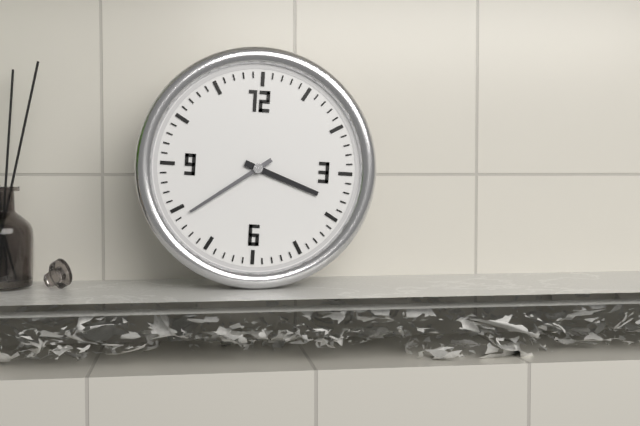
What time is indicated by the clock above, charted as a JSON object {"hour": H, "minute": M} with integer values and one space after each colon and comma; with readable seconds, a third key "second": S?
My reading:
{"hour": 3, "minute": 39}
